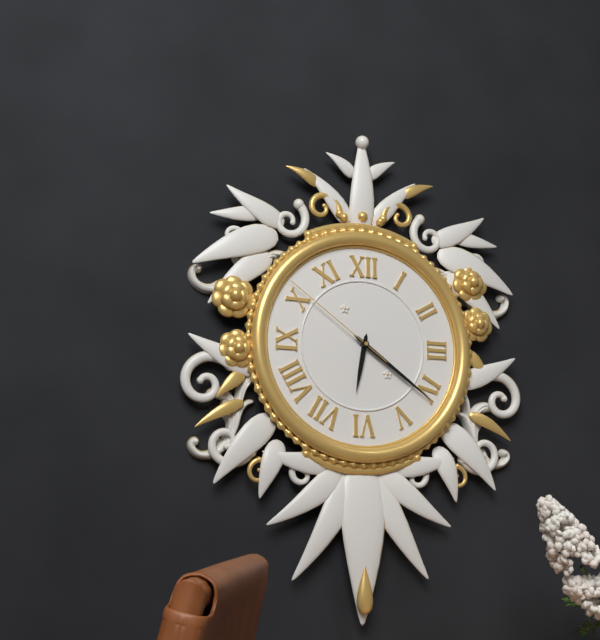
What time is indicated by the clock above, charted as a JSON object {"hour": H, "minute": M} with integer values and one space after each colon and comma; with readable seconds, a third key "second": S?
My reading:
{"hour": 6, "minute": 21, "second": 51}
